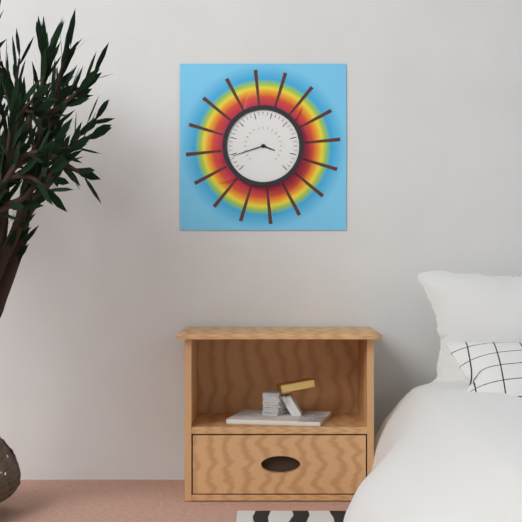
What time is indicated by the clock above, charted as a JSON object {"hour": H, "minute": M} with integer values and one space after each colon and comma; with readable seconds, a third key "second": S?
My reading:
{"hour": 3, "minute": 42}
